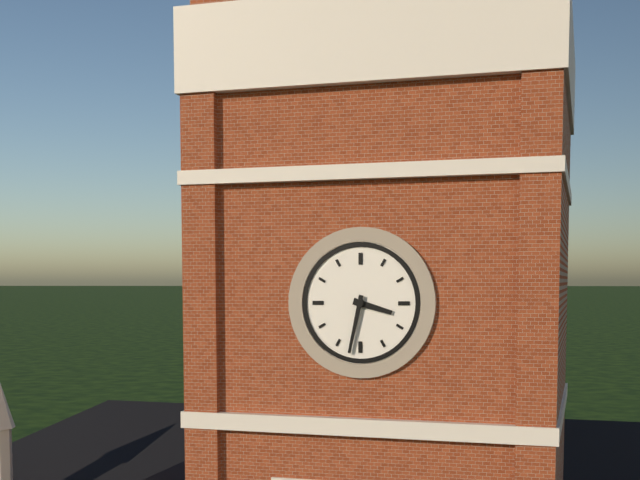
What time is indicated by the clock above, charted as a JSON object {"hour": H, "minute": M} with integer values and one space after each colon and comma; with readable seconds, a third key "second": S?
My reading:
{"hour": 3, "minute": 32}
